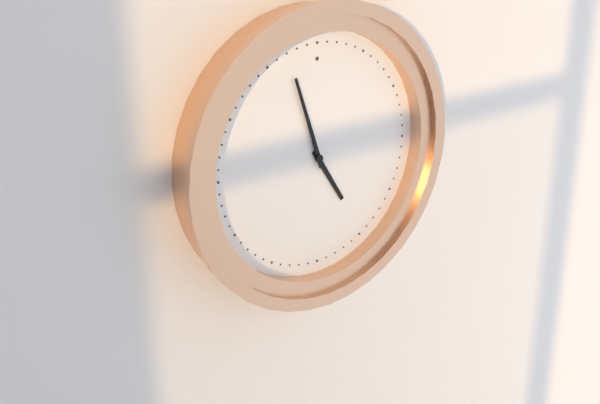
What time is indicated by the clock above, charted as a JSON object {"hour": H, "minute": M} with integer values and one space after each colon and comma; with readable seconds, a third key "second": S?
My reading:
{"hour": 4, "minute": 57}
